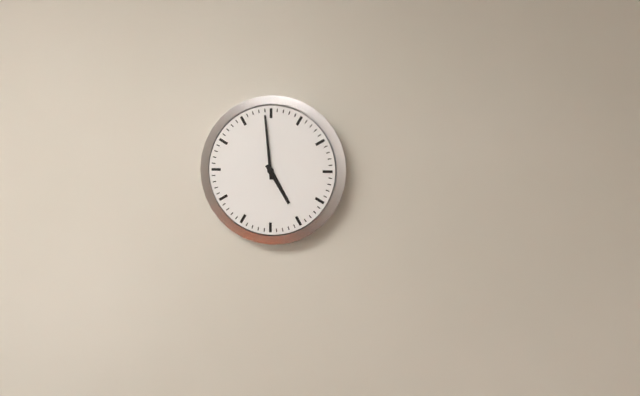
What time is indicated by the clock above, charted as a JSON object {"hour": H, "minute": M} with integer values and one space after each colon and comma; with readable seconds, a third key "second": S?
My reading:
{"hour": 4, "minute": 59}
